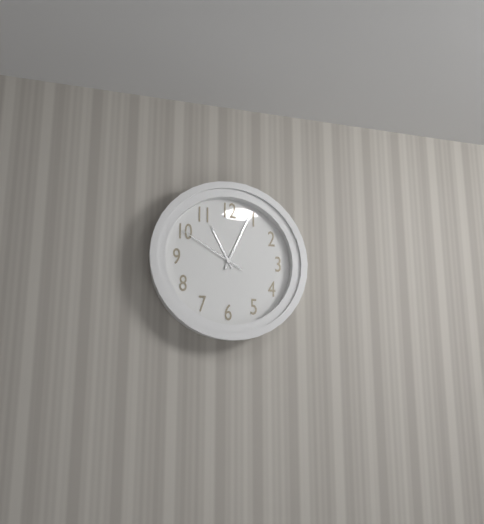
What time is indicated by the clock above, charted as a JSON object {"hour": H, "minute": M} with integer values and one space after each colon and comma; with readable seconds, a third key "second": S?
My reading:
{"hour": 11, "minute": 4, "second": 50}
